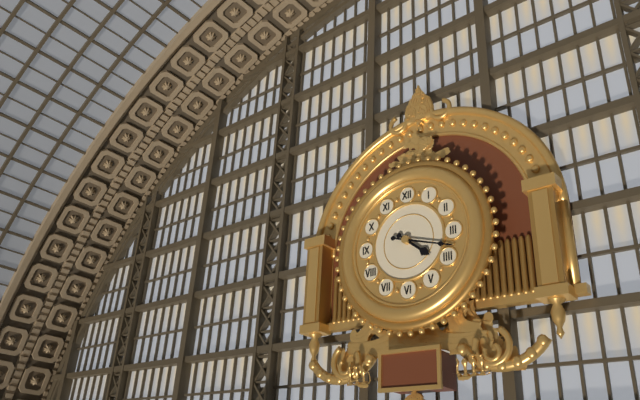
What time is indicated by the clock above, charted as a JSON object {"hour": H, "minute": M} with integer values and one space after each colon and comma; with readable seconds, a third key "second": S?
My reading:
{"hour": 4, "minute": 18}
